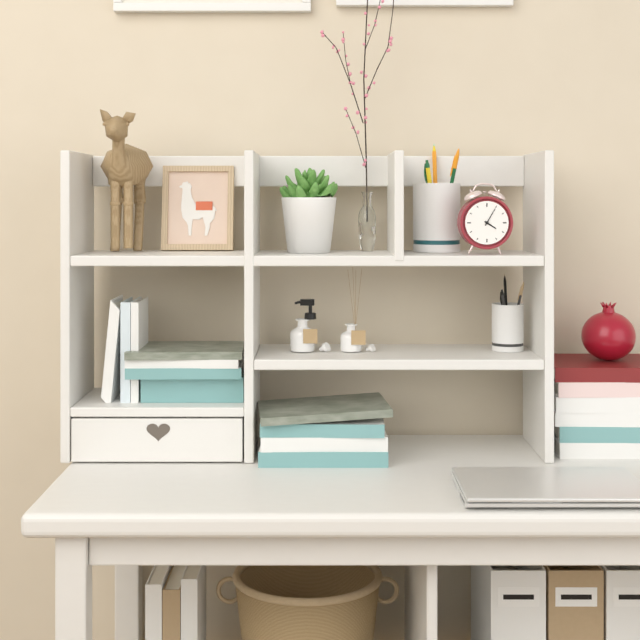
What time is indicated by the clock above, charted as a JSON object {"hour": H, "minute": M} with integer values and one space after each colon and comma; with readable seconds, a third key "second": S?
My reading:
{"hour": 4, "minute": 5}
